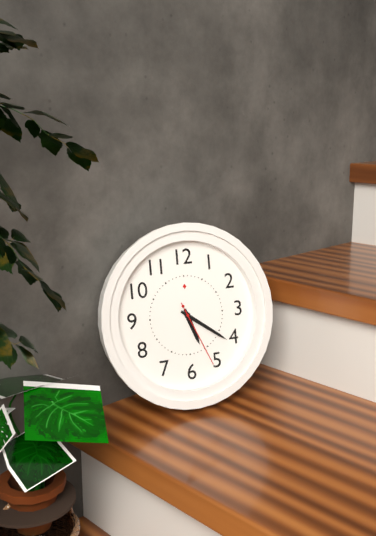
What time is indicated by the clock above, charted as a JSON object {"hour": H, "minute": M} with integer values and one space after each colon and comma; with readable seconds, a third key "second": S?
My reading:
{"hour": 5, "minute": 21, "second": 26}
